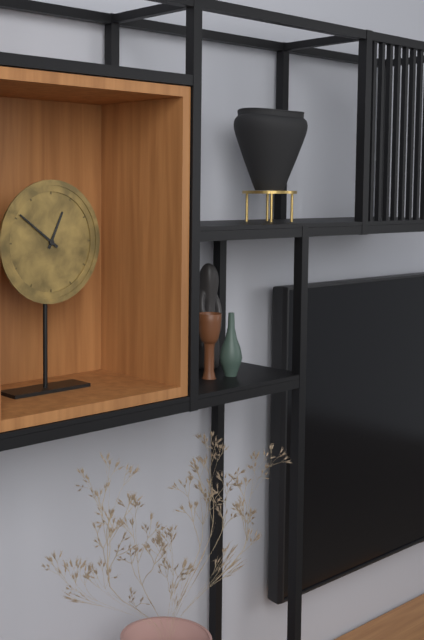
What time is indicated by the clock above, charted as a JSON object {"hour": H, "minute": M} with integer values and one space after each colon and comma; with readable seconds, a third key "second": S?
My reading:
{"hour": 12, "minute": 51}
